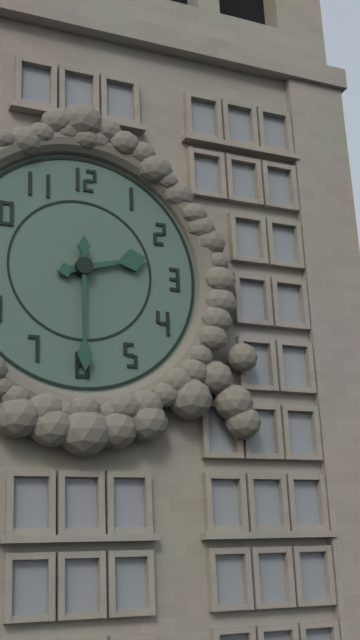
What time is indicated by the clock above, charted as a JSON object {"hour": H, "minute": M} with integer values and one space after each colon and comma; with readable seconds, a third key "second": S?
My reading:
{"hour": 2, "minute": 30}
